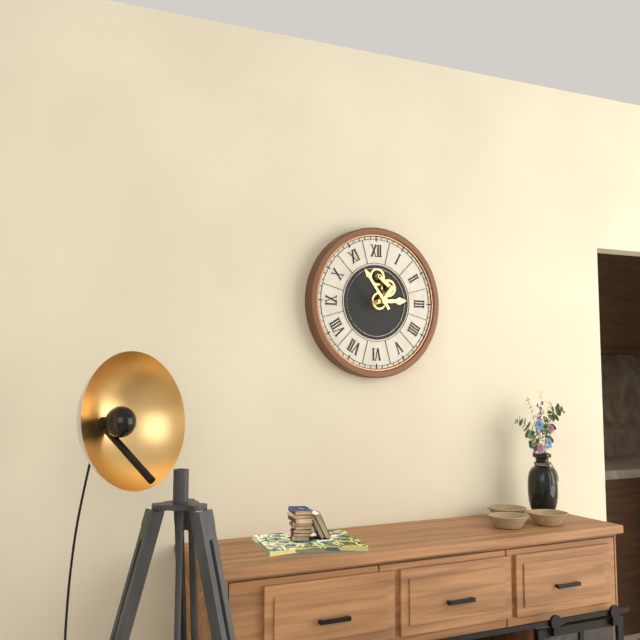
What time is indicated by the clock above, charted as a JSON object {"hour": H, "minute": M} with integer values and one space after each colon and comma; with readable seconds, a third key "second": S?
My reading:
{"hour": 2, "minute": 54}
